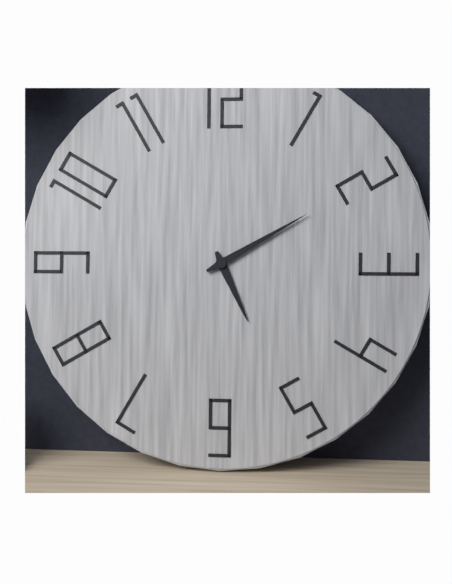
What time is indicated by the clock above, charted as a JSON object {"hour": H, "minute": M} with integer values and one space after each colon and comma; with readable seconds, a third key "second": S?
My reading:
{"hour": 5, "minute": 10}
